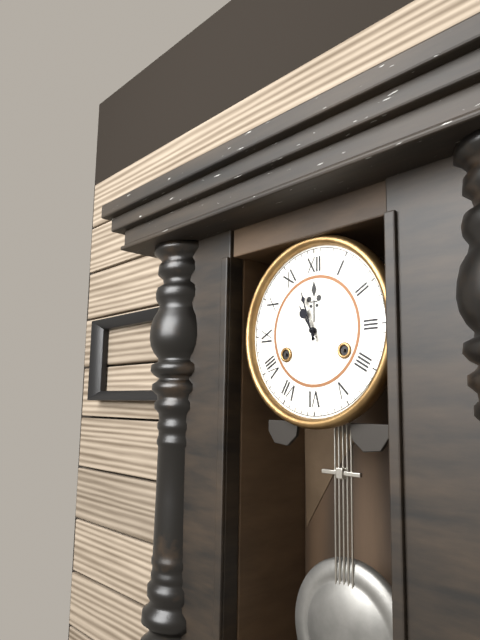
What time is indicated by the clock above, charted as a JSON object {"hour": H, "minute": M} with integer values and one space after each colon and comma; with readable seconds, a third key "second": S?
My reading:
{"hour": 10, "minute": 57}
